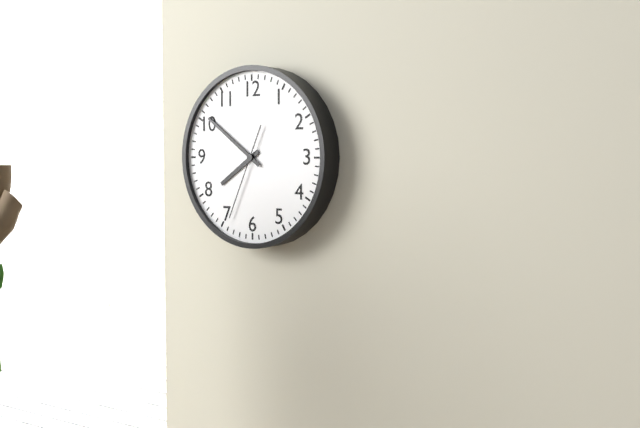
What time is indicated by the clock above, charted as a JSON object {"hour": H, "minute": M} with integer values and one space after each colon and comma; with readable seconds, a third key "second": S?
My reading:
{"hour": 7, "minute": 51, "second": 34}
